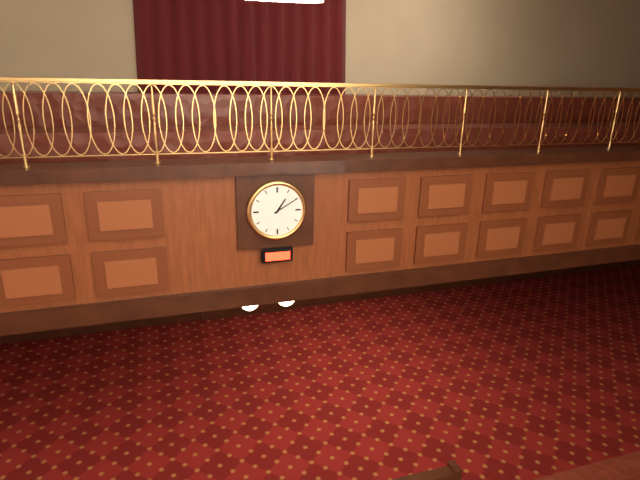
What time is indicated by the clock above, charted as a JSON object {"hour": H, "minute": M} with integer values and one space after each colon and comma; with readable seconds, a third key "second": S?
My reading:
{"hour": 1, "minute": 10}
